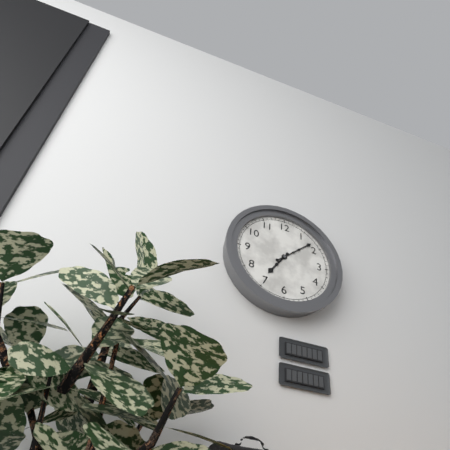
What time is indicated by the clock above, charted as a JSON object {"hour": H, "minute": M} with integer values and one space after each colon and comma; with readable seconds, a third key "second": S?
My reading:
{"hour": 7, "minute": 8}
